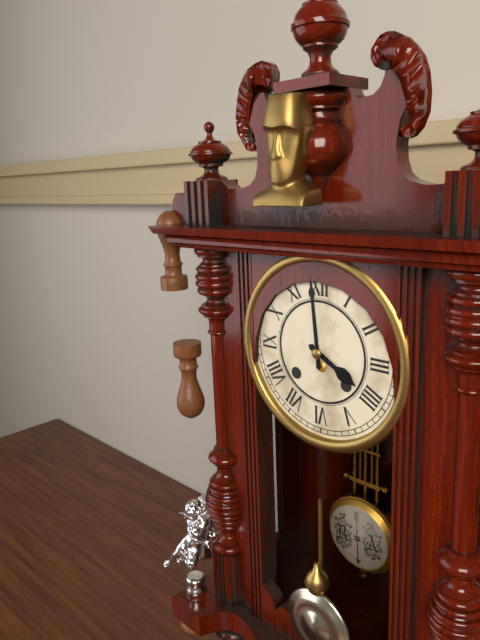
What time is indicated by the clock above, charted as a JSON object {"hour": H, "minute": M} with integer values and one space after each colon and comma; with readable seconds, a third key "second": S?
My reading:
{"hour": 3, "minute": 59}
